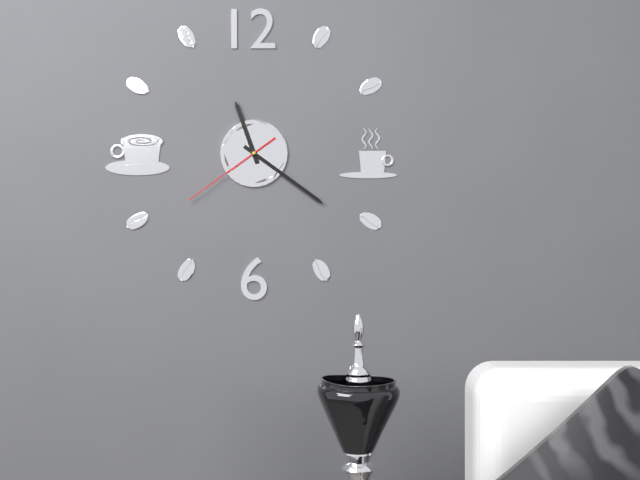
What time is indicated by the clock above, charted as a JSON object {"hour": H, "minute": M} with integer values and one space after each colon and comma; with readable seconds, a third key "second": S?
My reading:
{"hour": 11, "minute": 21, "second": 39}
